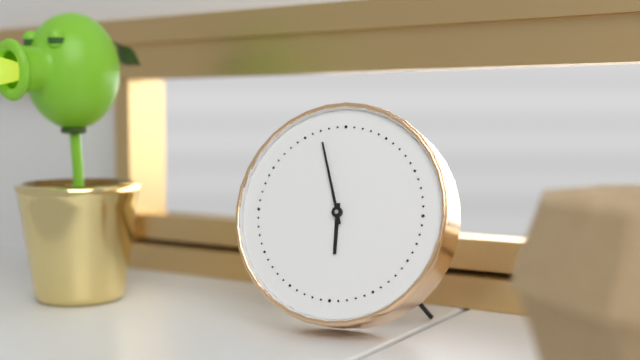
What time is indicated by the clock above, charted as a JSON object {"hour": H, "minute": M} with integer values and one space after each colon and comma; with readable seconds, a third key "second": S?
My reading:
{"hour": 5, "minute": 57}
